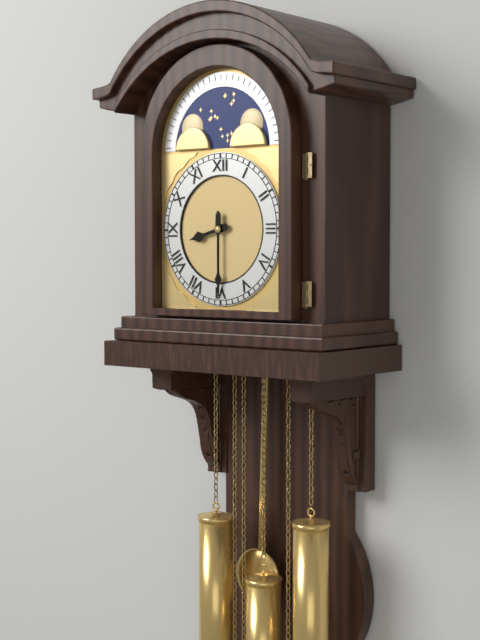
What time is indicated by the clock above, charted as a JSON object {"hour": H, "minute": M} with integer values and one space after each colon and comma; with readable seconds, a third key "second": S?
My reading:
{"hour": 8, "minute": 30}
